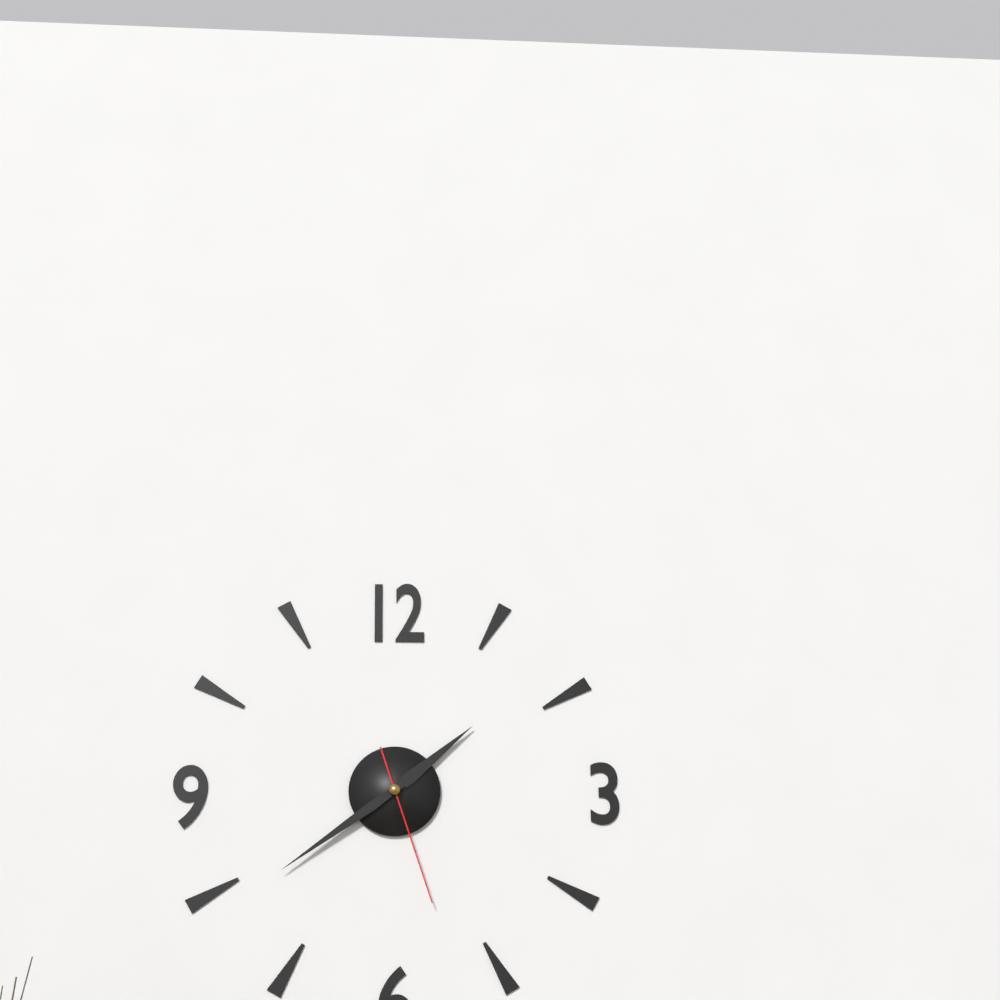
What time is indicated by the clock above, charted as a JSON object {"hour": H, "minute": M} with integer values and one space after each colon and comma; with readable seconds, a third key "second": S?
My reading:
{"hour": 1, "minute": 39, "second": 27}
